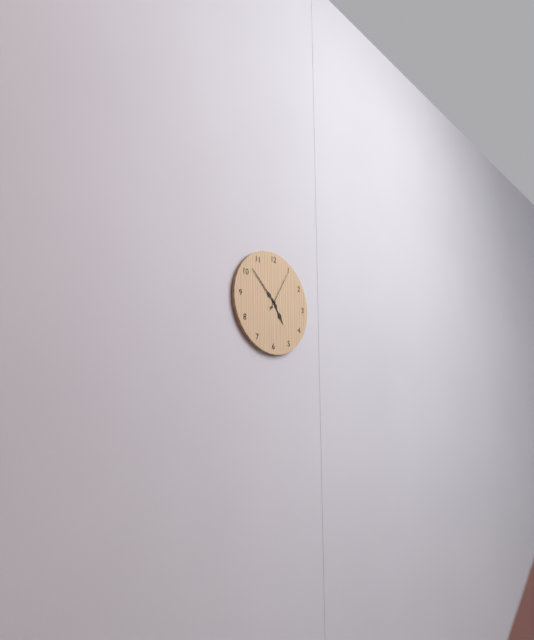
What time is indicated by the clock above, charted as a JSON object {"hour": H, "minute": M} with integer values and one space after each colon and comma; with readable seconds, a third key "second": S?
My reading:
{"hour": 4, "minute": 52}
